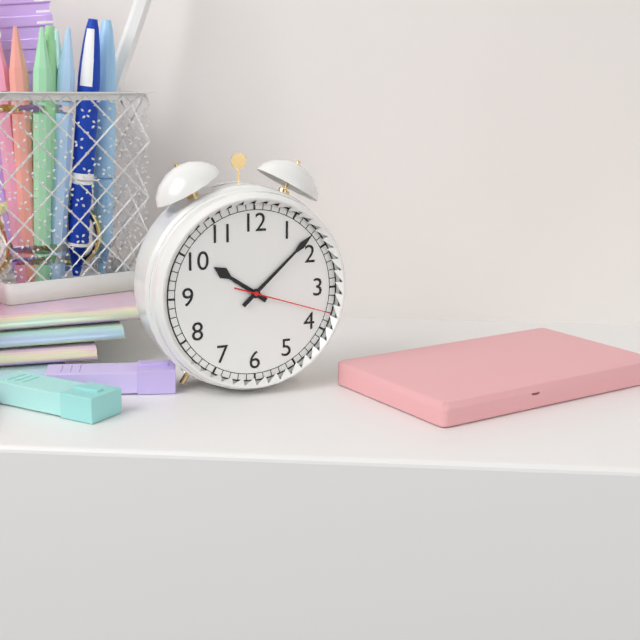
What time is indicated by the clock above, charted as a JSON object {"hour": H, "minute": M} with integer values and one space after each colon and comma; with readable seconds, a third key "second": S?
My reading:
{"hour": 10, "minute": 8, "second": 18}
